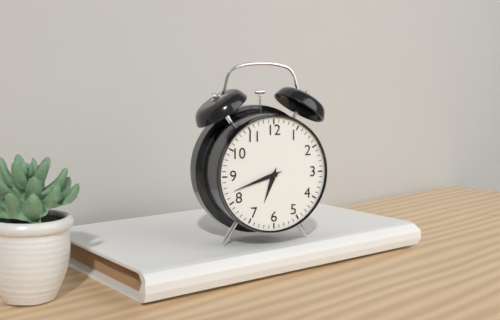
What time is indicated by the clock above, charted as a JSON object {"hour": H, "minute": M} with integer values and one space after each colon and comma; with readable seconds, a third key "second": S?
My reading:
{"hour": 6, "minute": 42}
